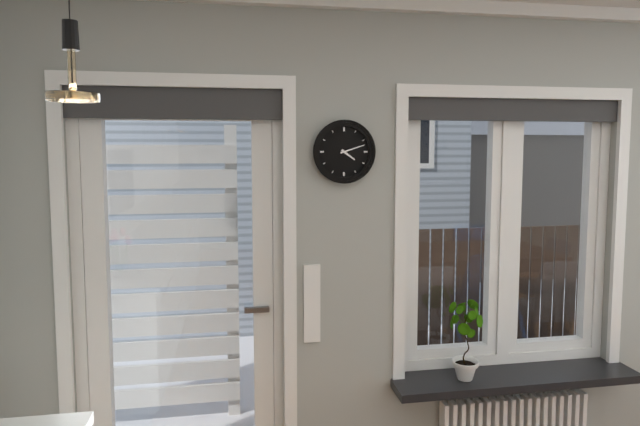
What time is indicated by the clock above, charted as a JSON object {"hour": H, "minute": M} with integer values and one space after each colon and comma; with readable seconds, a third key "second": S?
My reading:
{"hour": 4, "minute": 12}
